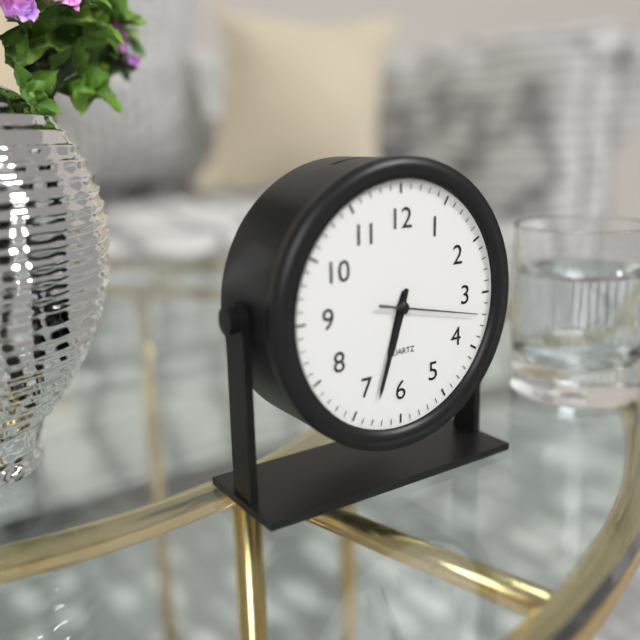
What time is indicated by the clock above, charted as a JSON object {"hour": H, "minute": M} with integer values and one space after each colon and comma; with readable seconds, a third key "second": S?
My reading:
{"hour": 6, "minute": 33, "second": 17}
